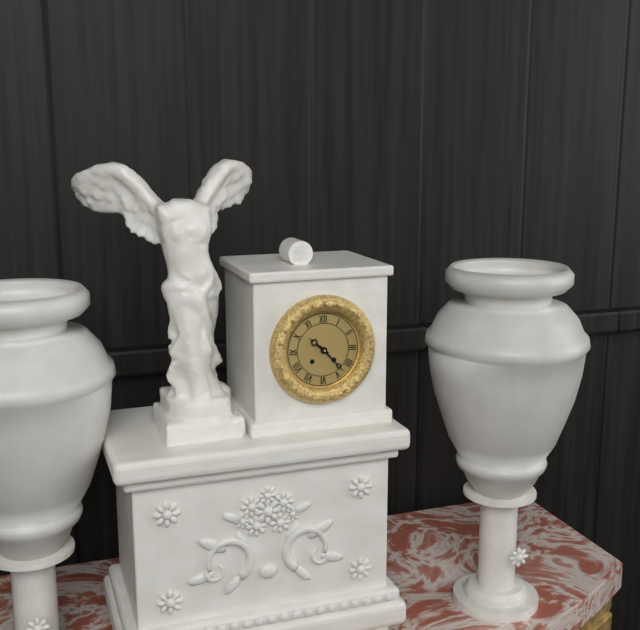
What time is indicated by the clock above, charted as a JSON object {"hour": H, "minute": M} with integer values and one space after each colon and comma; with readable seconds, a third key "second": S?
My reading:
{"hour": 10, "minute": 23}
